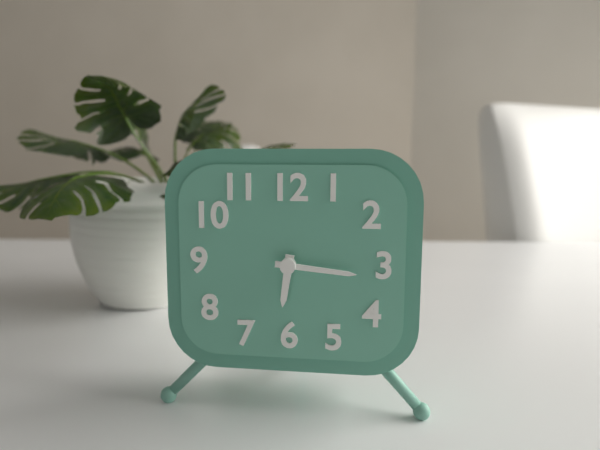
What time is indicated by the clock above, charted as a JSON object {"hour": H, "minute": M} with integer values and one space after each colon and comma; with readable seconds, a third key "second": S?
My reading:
{"hour": 6, "minute": 16}
